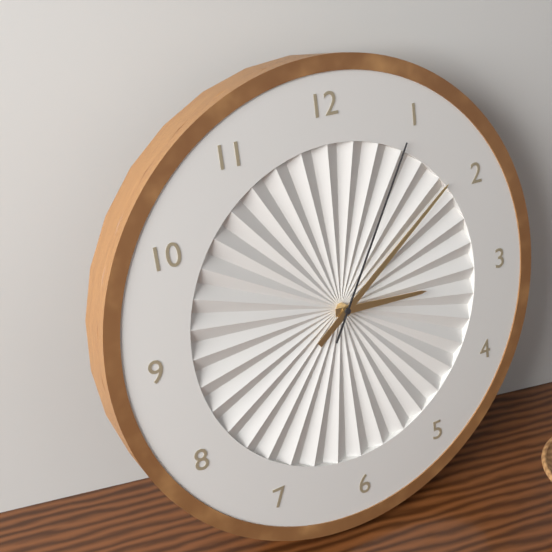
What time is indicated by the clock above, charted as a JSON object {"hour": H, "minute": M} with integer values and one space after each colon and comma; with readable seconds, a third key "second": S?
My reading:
{"hour": 3, "minute": 9, "second": 5}
